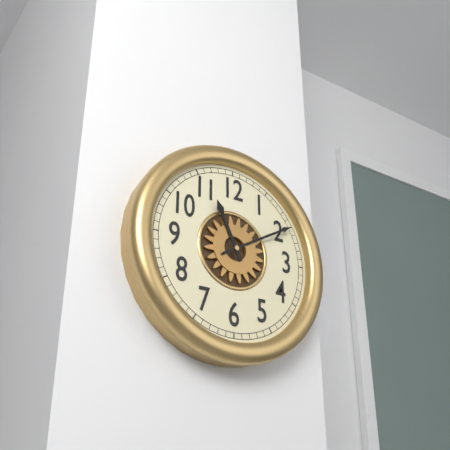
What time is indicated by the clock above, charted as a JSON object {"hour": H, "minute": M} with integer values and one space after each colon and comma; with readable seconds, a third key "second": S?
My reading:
{"hour": 11, "minute": 10}
